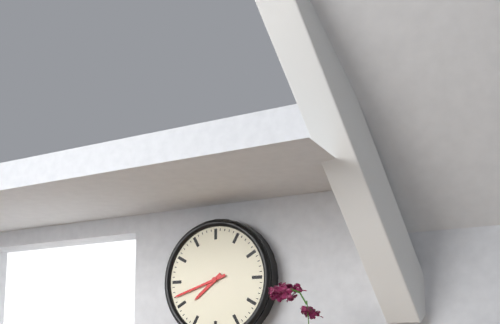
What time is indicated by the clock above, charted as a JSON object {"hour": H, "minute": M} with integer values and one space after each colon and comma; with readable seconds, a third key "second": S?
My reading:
{"hour": 7, "minute": 42}
